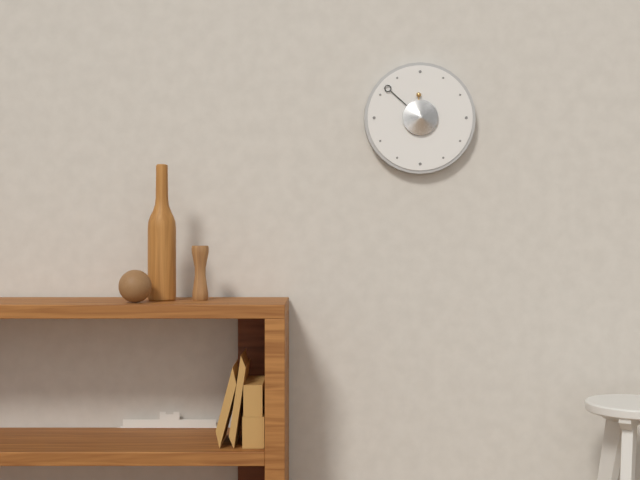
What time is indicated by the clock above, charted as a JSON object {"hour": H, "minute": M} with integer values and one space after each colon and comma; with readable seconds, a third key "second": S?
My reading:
{"hour": 11, "minute": 52}
